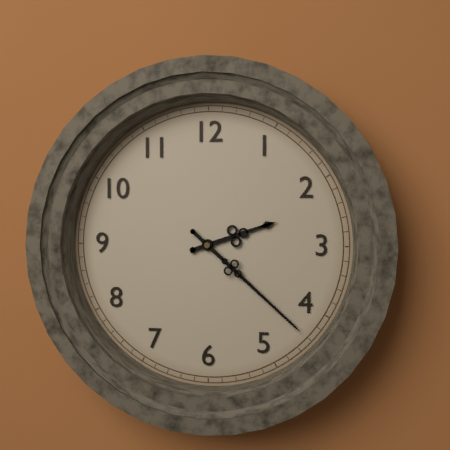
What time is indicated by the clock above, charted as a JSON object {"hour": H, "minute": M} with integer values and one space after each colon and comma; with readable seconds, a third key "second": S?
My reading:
{"hour": 2, "minute": 22}
